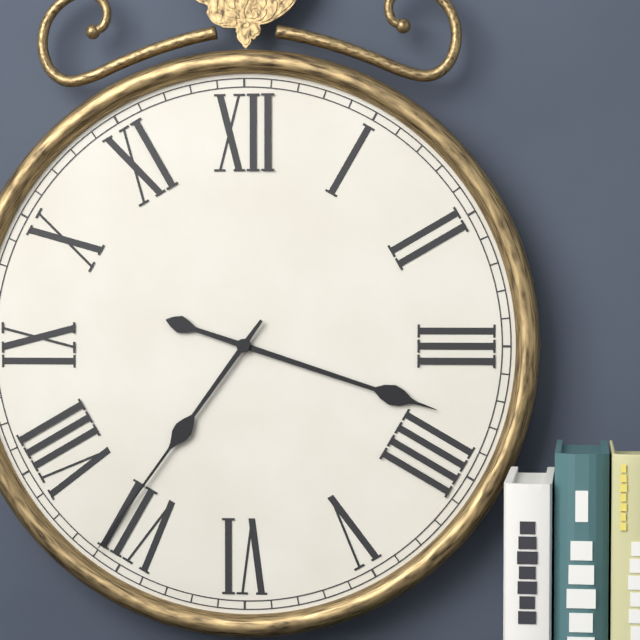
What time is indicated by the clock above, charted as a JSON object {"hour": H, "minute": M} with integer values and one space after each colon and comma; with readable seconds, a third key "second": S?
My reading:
{"hour": 3, "minute": 36}
